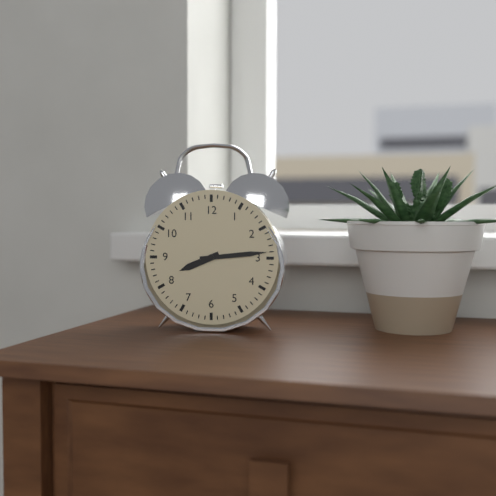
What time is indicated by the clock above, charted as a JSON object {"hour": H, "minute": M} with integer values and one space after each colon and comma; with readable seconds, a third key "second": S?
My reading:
{"hour": 8, "minute": 14}
